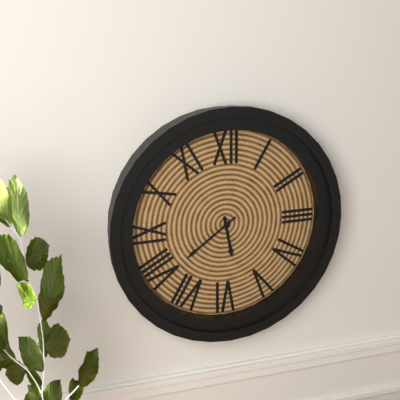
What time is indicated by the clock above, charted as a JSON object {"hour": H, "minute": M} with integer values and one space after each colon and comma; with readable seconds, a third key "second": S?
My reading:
{"hour": 5, "minute": 39}
